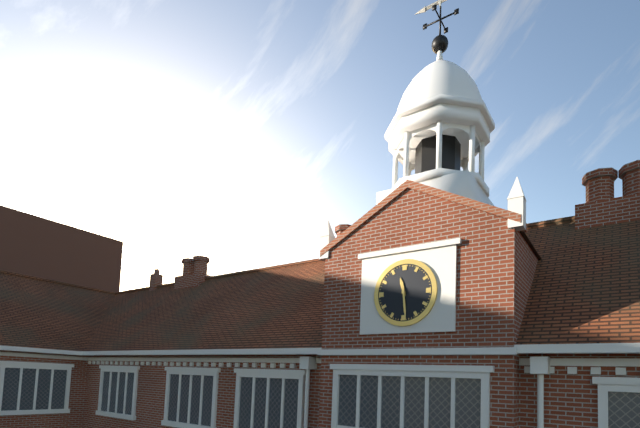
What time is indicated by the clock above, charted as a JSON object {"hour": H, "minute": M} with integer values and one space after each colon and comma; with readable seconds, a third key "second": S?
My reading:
{"hour": 11, "minute": 29}
